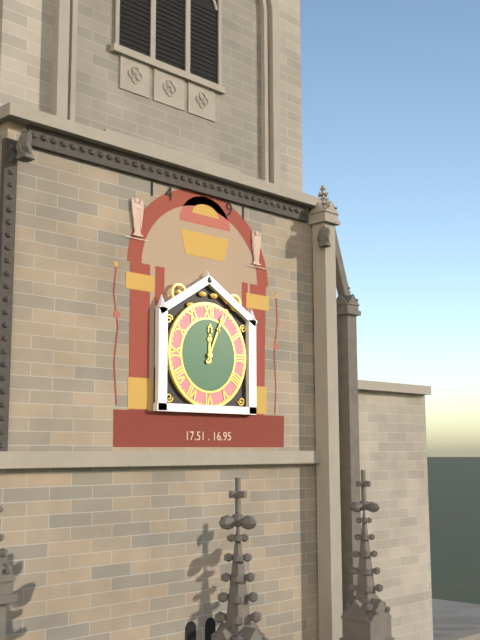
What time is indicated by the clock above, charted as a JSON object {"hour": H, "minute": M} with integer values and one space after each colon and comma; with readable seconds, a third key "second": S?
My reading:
{"hour": 12, "minute": 4}
